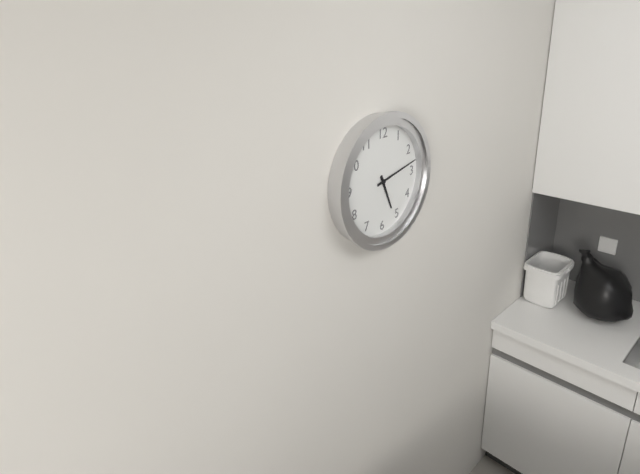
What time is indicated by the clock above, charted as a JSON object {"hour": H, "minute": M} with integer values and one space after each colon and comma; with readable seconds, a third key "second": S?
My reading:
{"hour": 5, "minute": 13}
